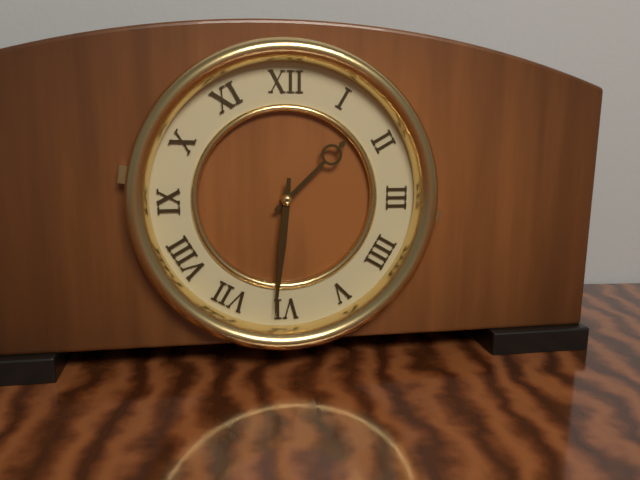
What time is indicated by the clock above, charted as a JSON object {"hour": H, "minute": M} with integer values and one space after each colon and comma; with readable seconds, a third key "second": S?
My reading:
{"hour": 1, "minute": 31}
